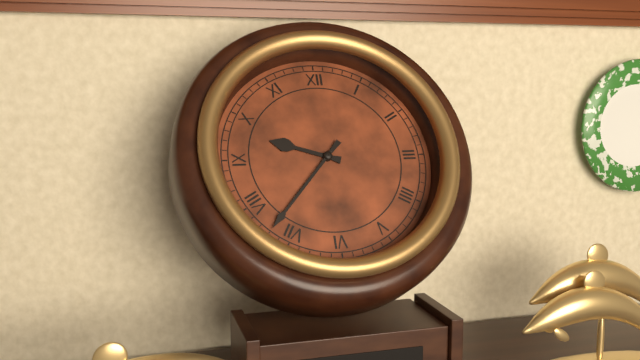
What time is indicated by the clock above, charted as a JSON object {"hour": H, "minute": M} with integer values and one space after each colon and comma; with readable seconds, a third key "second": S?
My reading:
{"hour": 9, "minute": 37}
